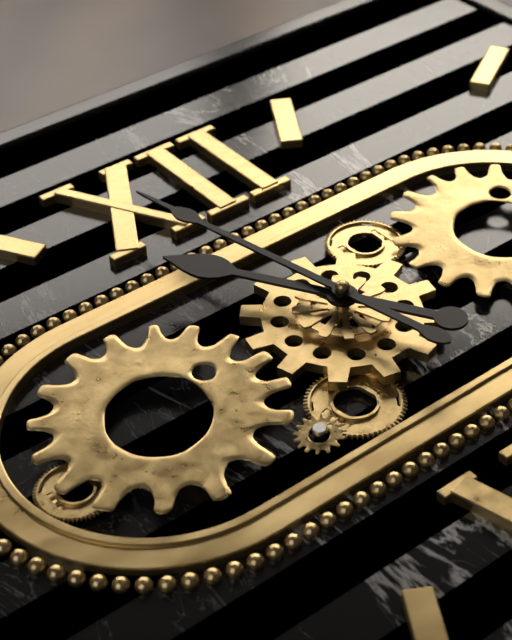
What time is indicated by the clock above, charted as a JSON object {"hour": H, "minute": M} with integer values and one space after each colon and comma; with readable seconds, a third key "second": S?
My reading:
{"hour": 10, "minute": 58}
